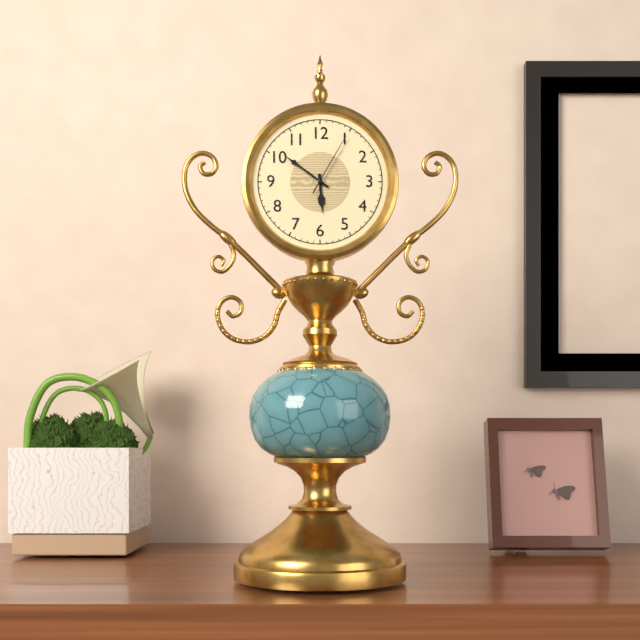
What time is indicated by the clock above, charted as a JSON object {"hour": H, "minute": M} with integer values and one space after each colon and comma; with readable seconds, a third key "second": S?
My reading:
{"hour": 5, "minute": 51, "second": 5}
